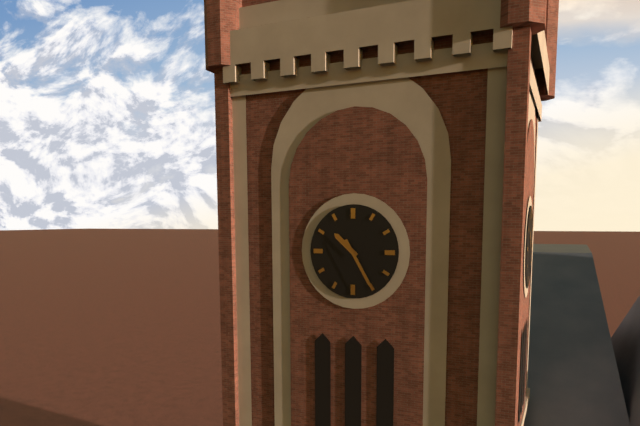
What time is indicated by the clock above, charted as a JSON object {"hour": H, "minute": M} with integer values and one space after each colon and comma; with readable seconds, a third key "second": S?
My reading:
{"hour": 10, "minute": 25}
